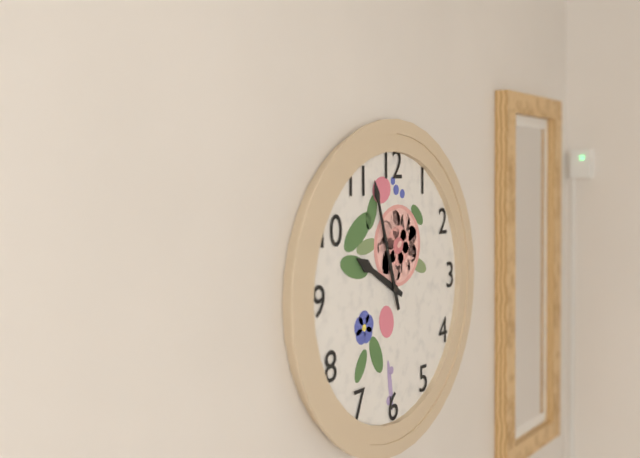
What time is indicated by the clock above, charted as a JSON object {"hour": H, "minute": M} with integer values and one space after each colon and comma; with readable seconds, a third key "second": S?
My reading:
{"hour": 9, "minute": 57}
